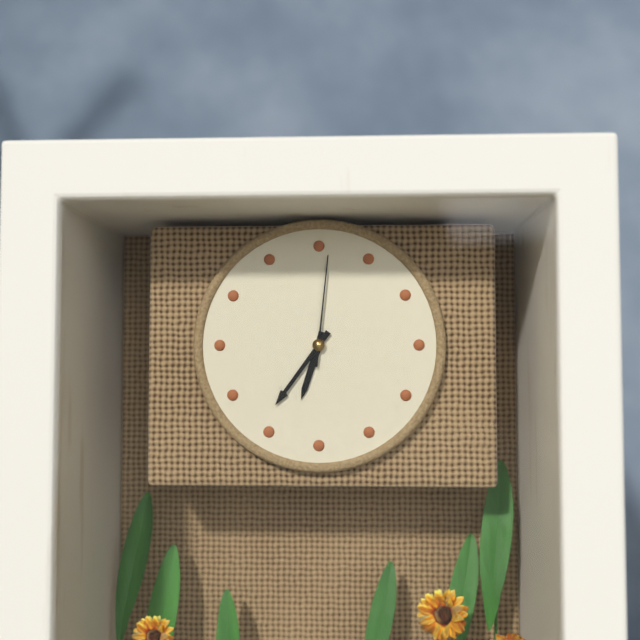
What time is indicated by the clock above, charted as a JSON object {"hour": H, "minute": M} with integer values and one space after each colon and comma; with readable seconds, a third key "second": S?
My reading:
{"hour": 6, "minute": 36, "second": 1}
